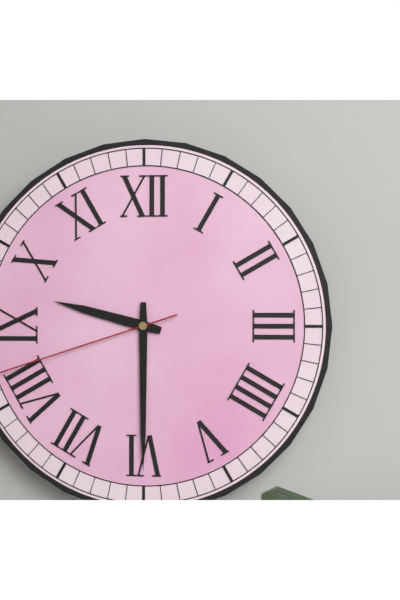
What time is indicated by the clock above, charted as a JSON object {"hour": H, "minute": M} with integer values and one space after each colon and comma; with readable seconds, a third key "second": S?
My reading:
{"hour": 9, "minute": 30}
